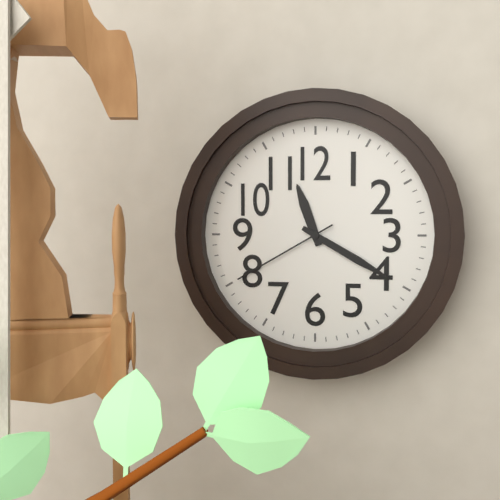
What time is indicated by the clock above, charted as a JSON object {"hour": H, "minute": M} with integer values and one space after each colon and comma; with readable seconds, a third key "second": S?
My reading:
{"hour": 11, "minute": 20, "second": 40}
